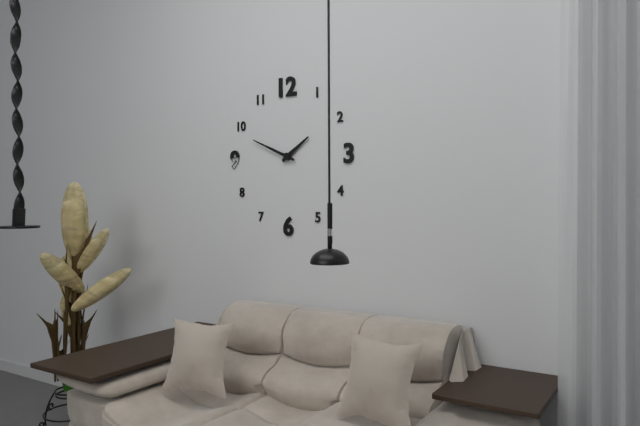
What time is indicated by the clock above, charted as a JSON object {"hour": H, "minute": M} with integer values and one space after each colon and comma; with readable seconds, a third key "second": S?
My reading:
{"hour": 1, "minute": 49}
